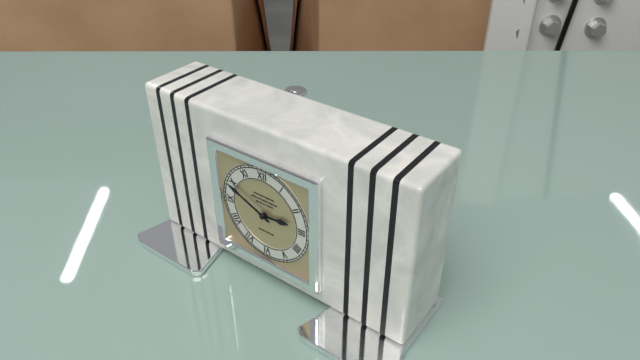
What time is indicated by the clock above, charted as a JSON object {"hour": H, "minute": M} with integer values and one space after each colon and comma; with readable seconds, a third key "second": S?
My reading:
{"hour": 2, "minute": 49}
